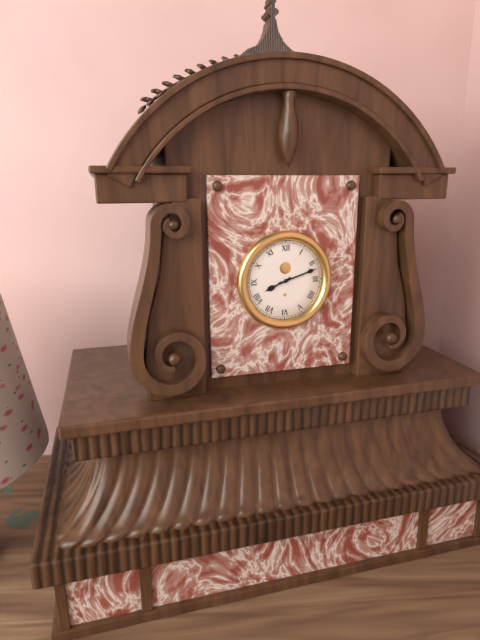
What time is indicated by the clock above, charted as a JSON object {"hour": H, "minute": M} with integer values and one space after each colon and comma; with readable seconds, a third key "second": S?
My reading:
{"hour": 8, "minute": 12}
